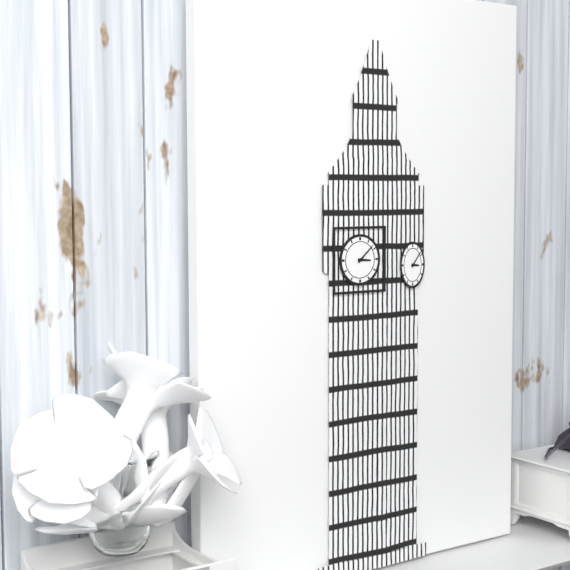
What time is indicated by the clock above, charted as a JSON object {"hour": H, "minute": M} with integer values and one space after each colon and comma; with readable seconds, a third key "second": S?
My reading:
{"hour": 3, "minute": 8}
